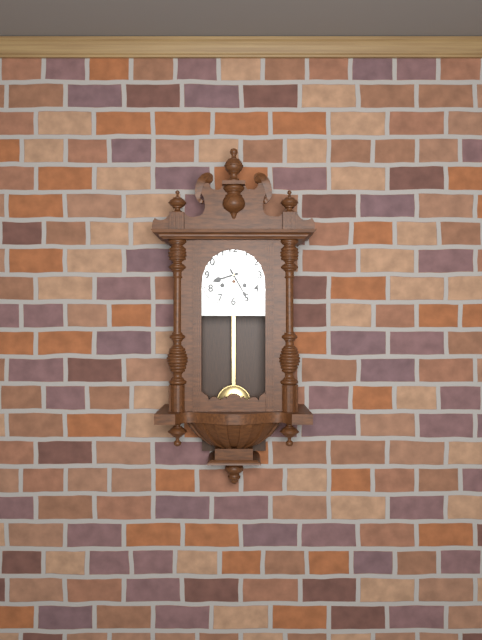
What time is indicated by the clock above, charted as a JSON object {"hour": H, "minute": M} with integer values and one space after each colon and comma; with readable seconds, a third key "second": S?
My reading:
{"hour": 8, "minute": 25}
